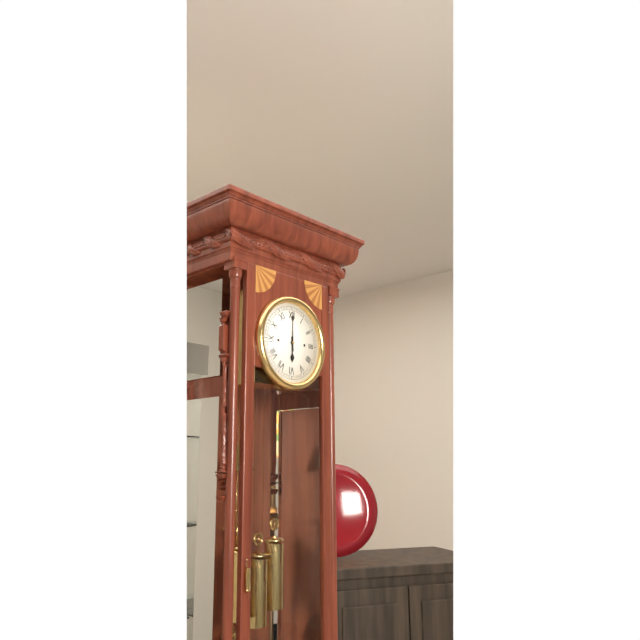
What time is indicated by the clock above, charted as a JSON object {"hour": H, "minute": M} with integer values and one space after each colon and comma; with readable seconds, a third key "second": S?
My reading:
{"hour": 6, "minute": 0}
